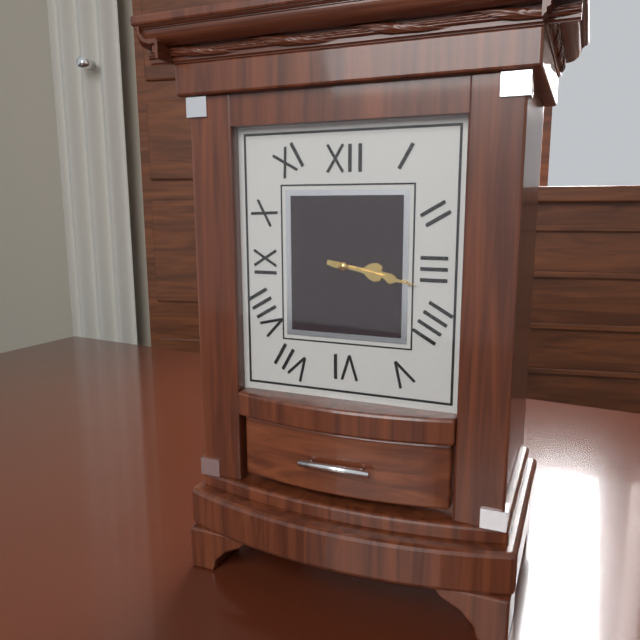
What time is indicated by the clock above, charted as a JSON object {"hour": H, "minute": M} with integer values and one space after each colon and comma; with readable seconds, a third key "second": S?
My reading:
{"hour": 3, "minute": 17}
